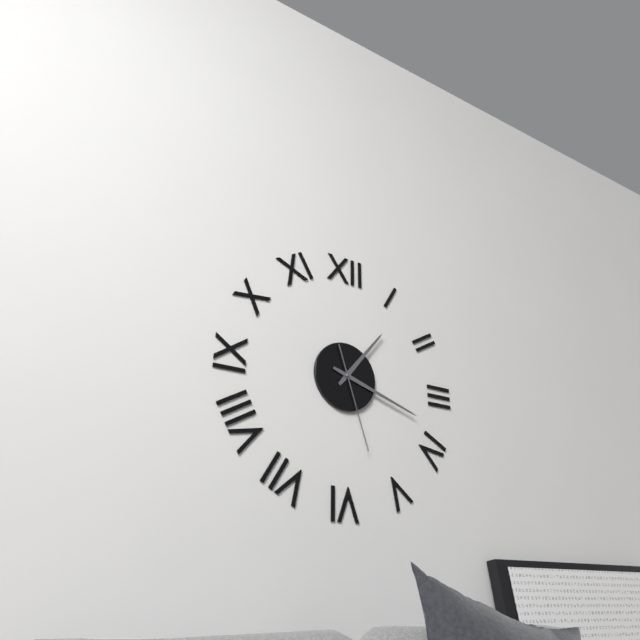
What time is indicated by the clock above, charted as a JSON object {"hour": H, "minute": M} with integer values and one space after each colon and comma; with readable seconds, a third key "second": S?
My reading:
{"hour": 1, "minute": 18, "second": 27}
